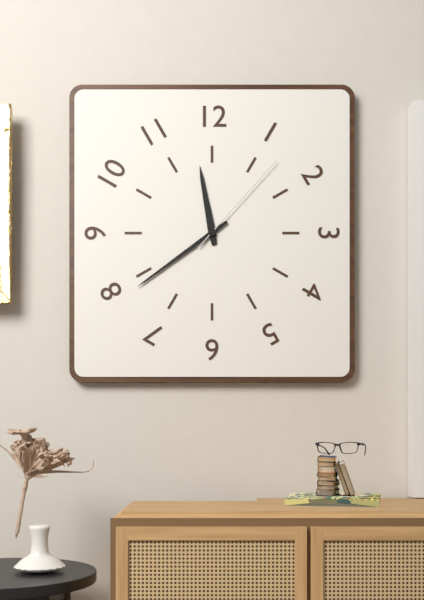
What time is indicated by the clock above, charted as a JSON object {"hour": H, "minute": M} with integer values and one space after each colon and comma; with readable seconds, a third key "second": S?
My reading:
{"hour": 11, "minute": 39, "second": 7}
